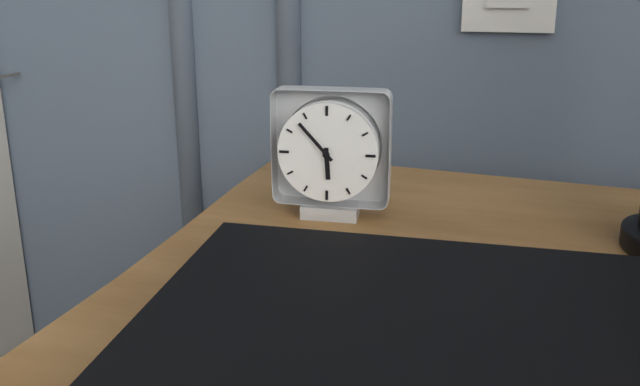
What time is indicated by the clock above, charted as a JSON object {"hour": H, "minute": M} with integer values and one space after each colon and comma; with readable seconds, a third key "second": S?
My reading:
{"hour": 5, "minute": 53}
